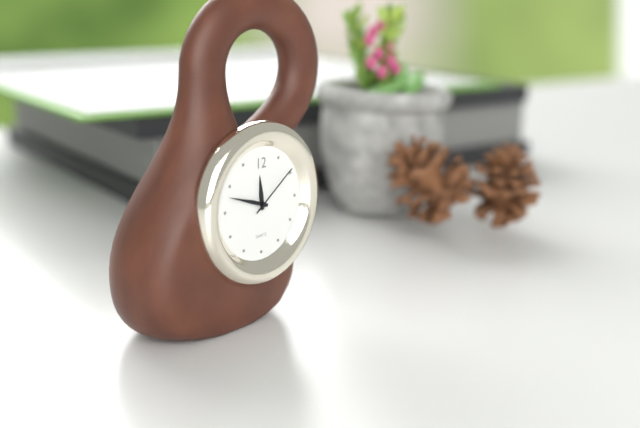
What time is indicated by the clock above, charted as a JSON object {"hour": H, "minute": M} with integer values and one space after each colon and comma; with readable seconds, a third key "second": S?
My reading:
{"hour": 11, "minute": 48, "second": 9}
